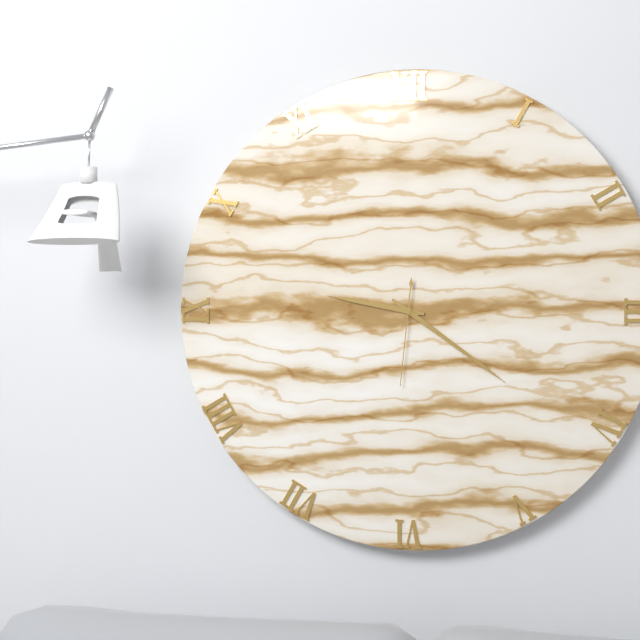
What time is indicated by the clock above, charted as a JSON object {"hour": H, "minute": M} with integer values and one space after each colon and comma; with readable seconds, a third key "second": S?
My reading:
{"hour": 9, "minute": 21, "second": 31}
